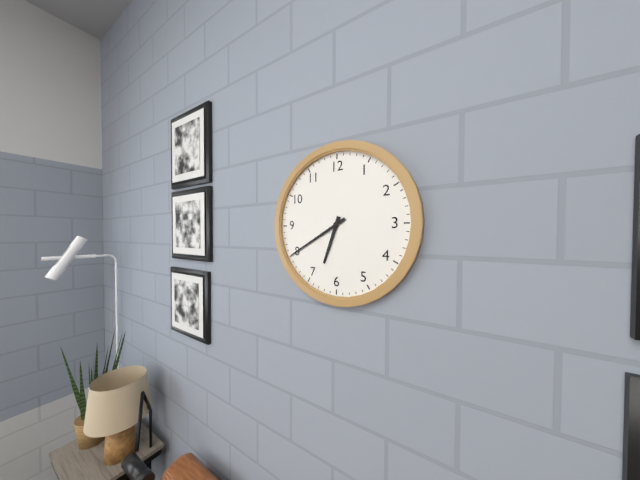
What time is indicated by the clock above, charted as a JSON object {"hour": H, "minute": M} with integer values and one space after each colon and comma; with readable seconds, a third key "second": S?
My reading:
{"hour": 6, "minute": 40}
